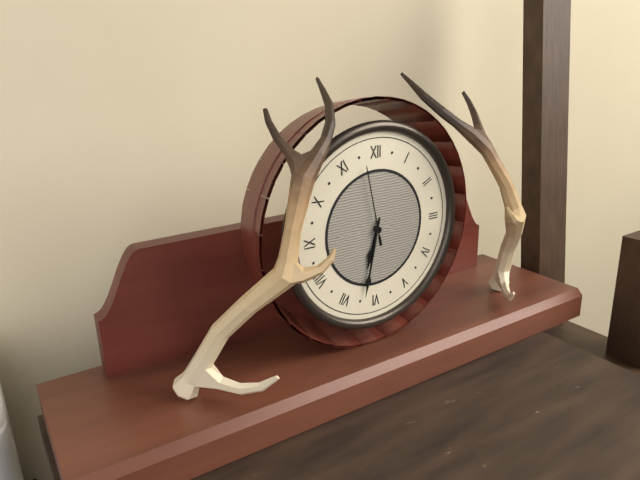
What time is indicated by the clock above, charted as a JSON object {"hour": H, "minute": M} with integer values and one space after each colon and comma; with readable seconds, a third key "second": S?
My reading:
{"hour": 6, "minute": 32, "second": 58}
